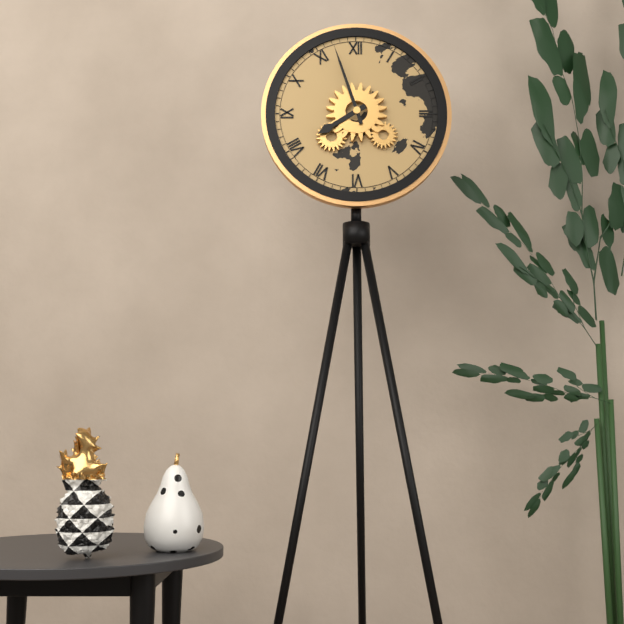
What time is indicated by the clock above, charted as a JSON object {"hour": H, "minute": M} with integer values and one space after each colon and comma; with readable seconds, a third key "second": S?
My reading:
{"hour": 7, "minute": 57}
